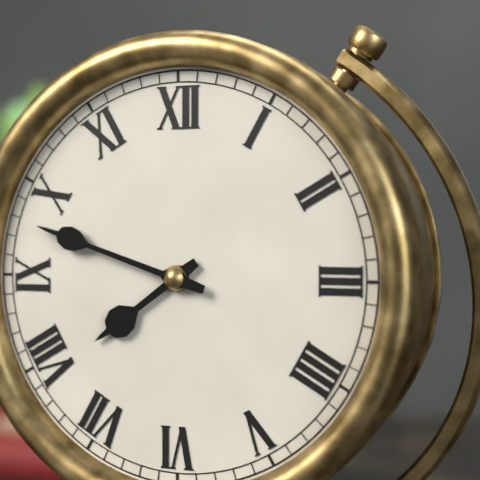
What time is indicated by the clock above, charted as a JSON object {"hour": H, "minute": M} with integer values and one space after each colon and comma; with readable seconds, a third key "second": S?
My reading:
{"hour": 7, "minute": 48}
